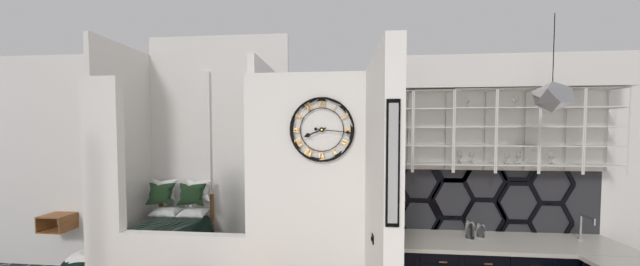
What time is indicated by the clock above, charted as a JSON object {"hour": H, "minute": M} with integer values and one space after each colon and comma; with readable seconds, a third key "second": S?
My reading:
{"hour": 8, "minute": 16}
